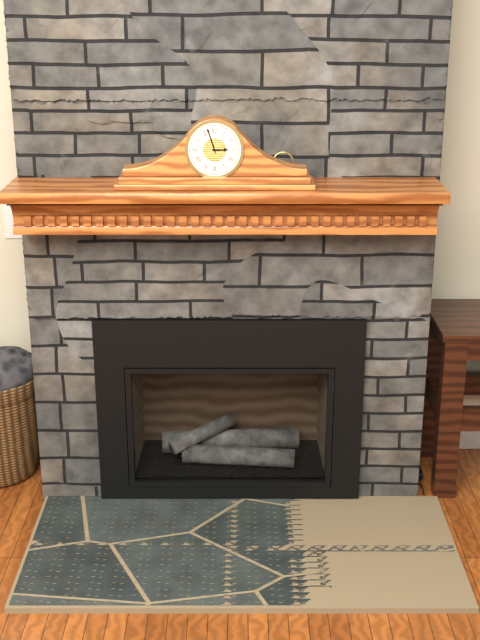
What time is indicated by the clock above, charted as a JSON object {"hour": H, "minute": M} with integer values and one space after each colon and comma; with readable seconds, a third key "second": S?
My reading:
{"hour": 2, "minute": 57}
